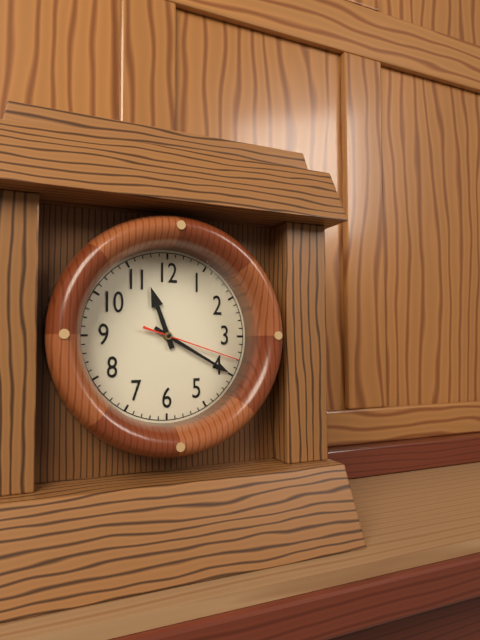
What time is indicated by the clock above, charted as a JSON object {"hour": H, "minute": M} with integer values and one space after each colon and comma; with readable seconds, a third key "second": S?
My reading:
{"hour": 11, "minute": 20, "second": 18}
